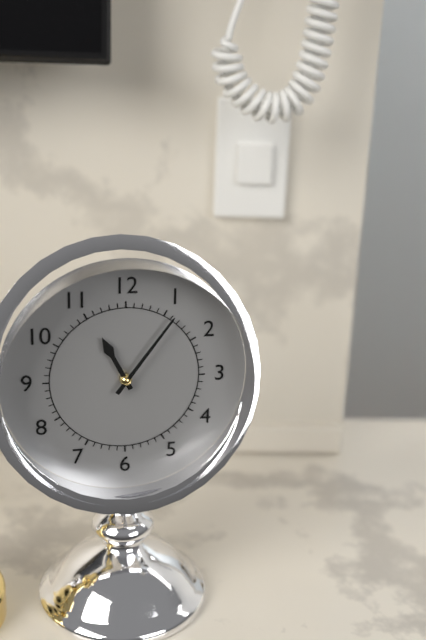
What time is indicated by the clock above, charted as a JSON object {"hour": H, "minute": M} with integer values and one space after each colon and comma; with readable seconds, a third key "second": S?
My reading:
{"hour": 11, "minute": 6}
